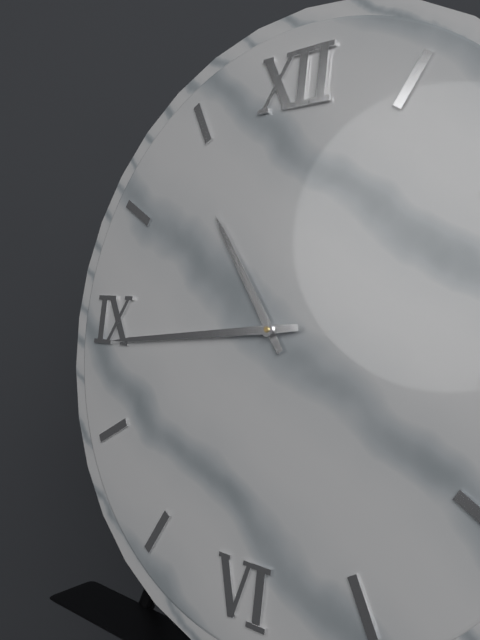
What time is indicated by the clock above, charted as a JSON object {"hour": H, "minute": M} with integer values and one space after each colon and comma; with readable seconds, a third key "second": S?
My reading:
{"hour": 10, "minute": 44}
